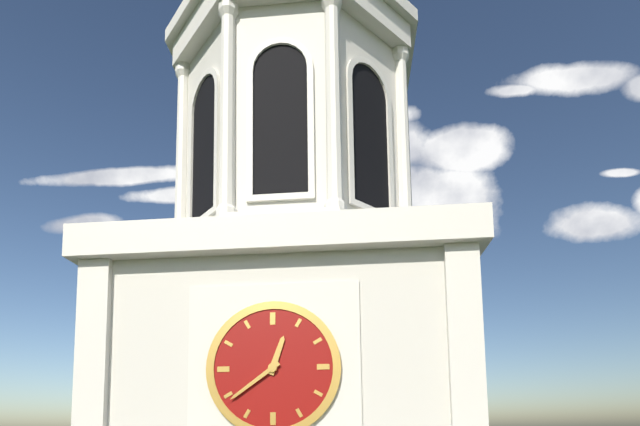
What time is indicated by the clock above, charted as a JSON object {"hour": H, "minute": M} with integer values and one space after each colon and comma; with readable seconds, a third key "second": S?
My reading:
{"hour": 12, "minute": 39}
